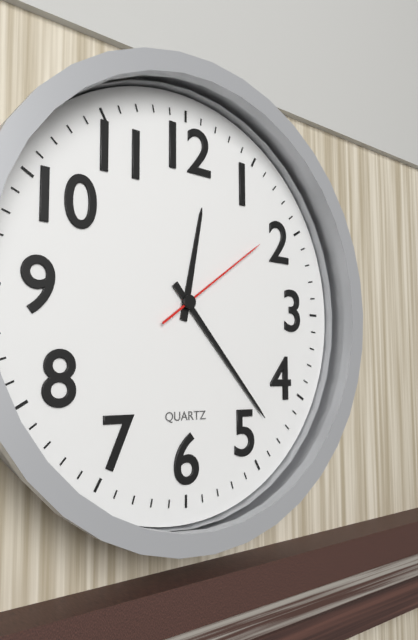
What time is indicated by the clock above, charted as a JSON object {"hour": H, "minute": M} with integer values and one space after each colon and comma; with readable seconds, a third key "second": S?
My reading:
{"hour": 12, "minute": 23, "second": 9}
